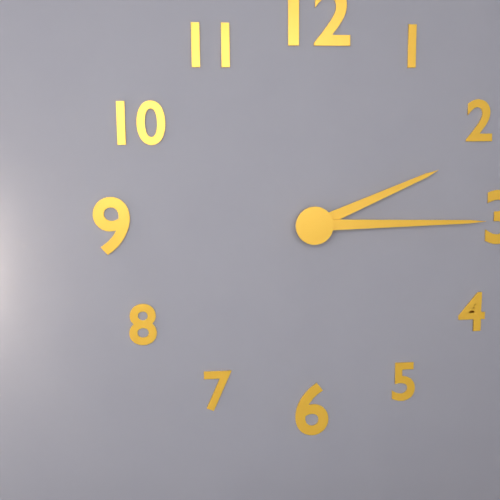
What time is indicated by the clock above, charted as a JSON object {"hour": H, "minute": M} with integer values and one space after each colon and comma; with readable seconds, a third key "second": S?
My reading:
{"hour": 2, "minute": 15}
